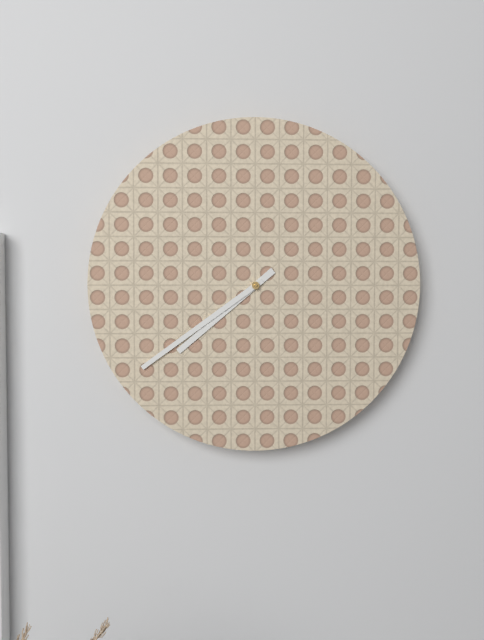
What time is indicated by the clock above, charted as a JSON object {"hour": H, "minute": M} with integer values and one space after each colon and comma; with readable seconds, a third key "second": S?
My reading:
{"hour": 7, "minute": 39}
